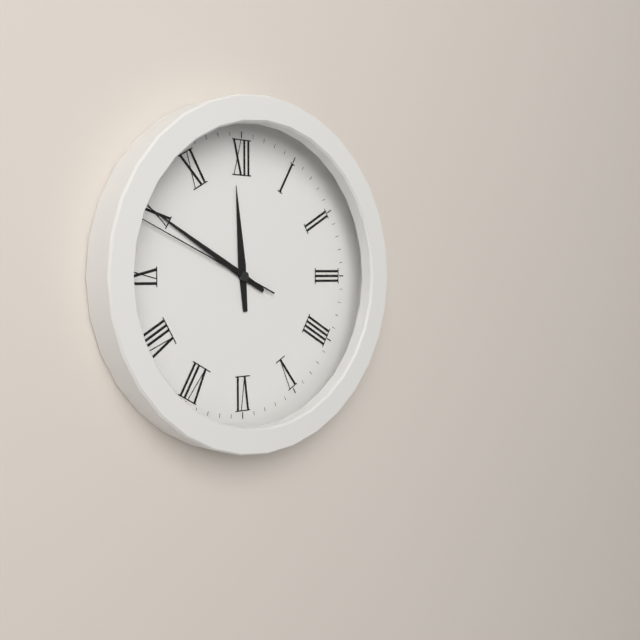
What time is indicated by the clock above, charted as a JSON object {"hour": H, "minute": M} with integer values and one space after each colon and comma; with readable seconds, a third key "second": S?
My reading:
{"hour": 11, "minute": 50, "second": 49}
